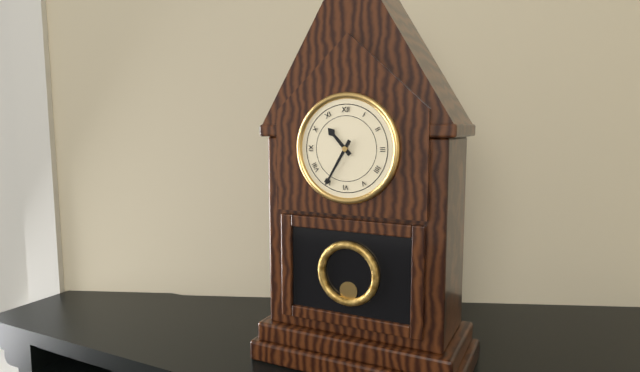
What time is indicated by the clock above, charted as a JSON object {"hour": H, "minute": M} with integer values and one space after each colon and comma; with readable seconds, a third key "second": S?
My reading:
{"hour": 10, "minute": 35}
